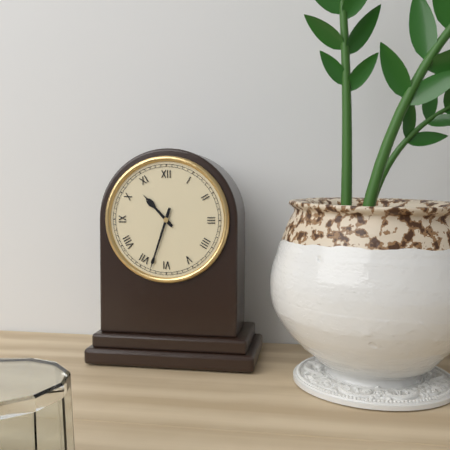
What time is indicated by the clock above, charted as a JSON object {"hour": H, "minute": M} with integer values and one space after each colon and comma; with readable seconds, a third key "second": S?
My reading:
{"hour": 10, "minute": 33}
